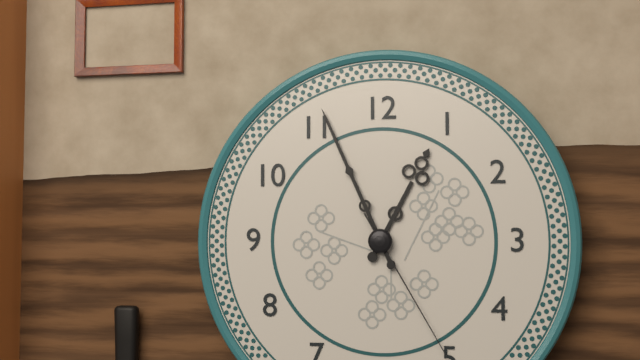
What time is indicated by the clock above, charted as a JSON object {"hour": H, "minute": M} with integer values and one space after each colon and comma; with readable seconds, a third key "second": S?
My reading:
{"hour": 12, "minute": 56, "second": 25}
